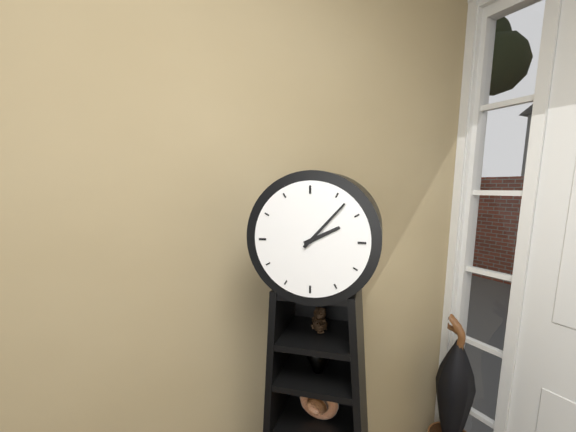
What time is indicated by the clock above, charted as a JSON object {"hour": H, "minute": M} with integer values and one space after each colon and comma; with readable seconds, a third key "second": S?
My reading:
{"hour": 2, "minute": 7}
